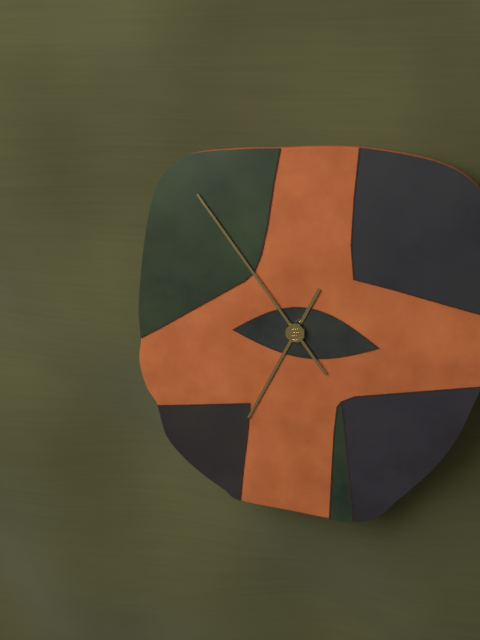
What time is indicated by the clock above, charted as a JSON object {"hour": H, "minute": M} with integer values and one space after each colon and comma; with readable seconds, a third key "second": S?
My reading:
{"hour": 6, "minute": 54}
